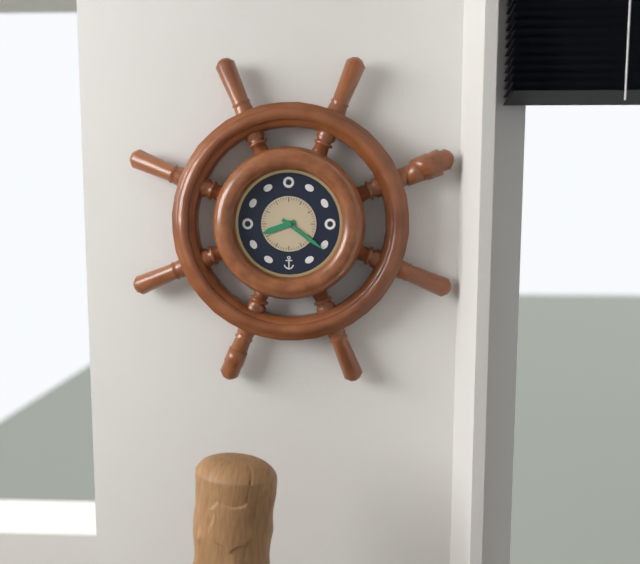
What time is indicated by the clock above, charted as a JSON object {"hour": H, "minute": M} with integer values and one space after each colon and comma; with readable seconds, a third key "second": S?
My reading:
{"hour": 8, "minute": 21}
